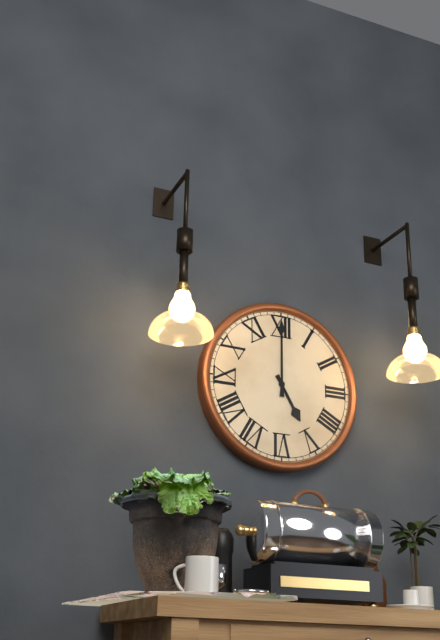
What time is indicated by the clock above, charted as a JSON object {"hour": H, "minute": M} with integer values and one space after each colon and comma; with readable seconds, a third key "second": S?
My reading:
{"hour": 5, "minute": 0}
